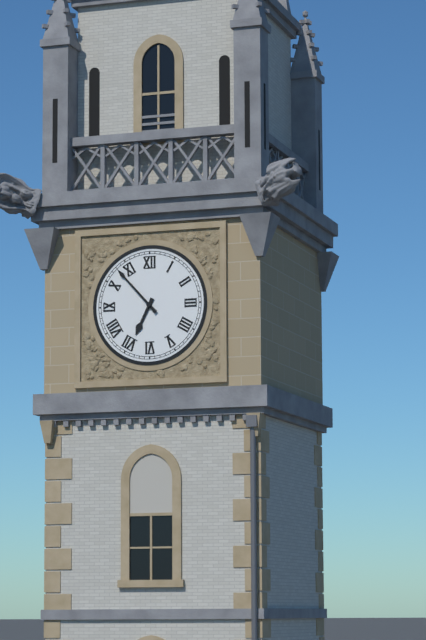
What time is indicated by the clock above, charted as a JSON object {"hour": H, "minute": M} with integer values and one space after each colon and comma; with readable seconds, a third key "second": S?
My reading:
{"hour": 6, "minute": 53}
